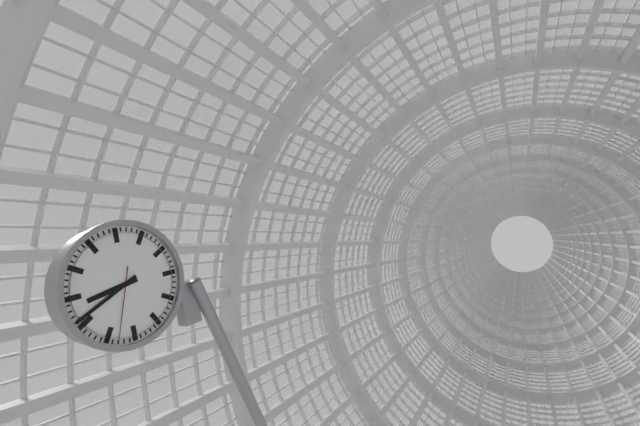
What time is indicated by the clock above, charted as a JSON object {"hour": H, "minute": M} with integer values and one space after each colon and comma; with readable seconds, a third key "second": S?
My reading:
{"hour": 8, "minute": 41, "second": 33}
